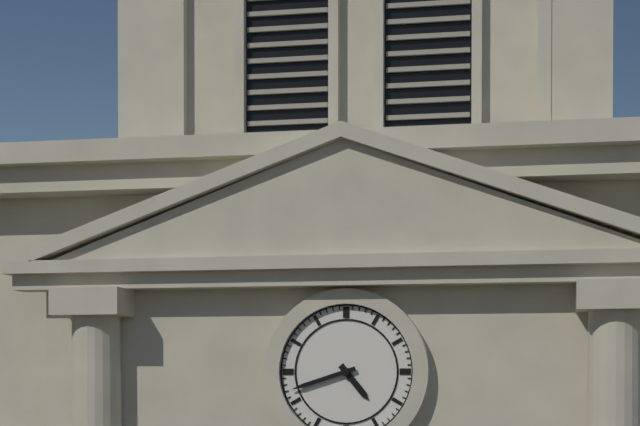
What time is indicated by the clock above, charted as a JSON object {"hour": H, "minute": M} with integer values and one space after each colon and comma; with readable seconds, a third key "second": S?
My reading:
{"hour": 4, "minute": 42}
